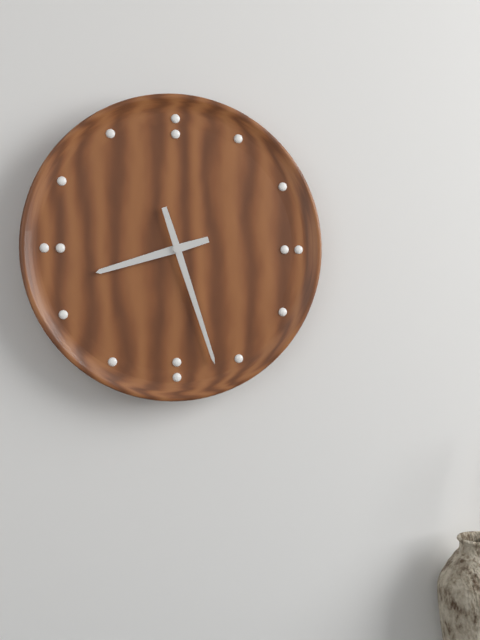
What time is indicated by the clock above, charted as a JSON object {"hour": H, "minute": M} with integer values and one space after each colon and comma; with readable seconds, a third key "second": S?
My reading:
{"hour": 8, "minute": 27}
